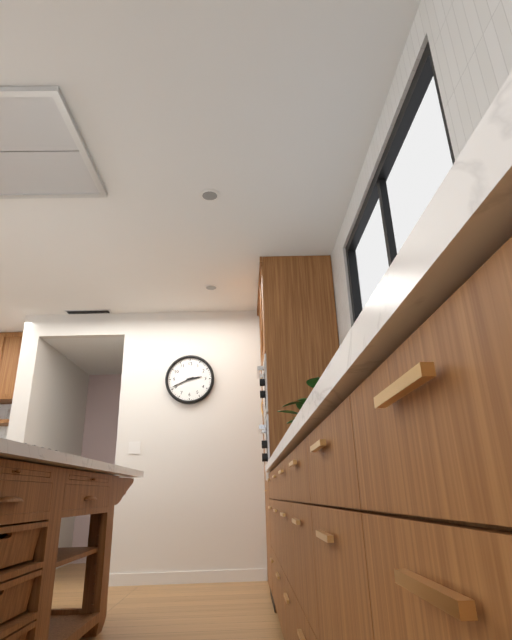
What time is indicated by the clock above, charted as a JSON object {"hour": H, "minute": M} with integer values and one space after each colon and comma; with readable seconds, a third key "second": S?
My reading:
{"hour": 2, "minute": 41}
